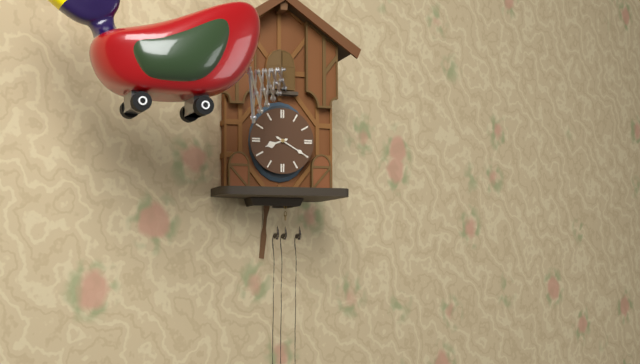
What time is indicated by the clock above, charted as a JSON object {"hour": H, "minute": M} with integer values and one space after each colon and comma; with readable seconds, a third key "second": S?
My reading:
{"hour": 8, "minute": 20}
